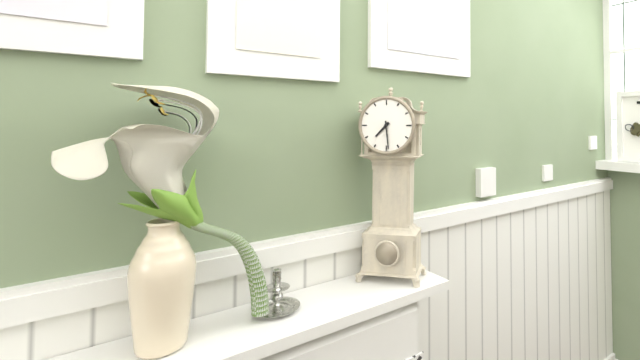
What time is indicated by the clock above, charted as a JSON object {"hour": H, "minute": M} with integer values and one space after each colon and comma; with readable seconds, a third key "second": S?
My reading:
{"hour": 7, "minute": 29}
